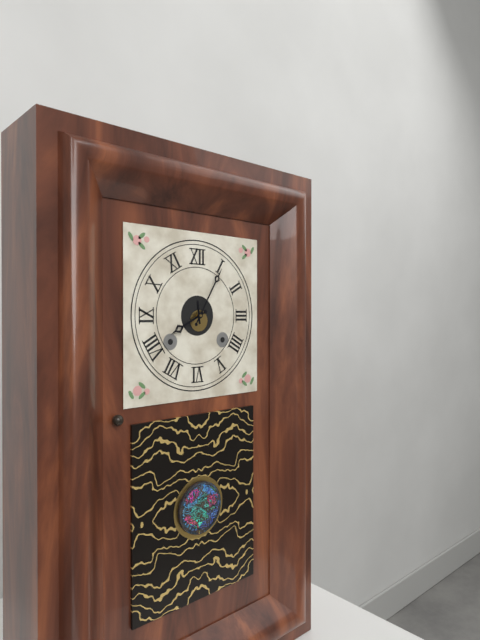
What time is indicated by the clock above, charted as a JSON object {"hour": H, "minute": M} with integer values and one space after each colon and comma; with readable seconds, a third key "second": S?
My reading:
{"hour": 8, "minute": 5}
